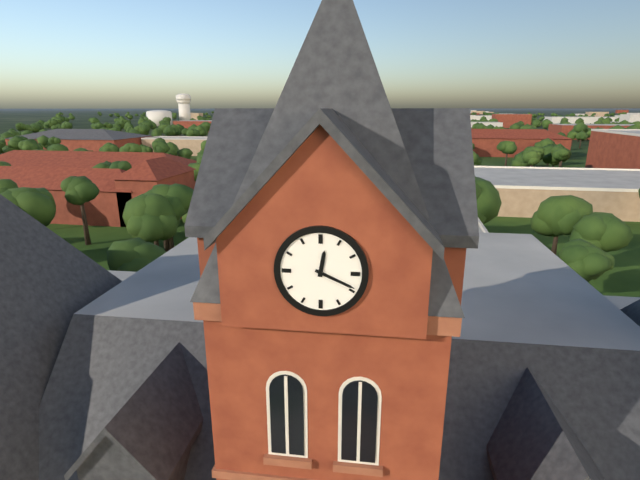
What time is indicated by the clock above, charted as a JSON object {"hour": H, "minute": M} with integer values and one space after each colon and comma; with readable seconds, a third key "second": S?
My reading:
{"hour": 12, "minute": 19}
